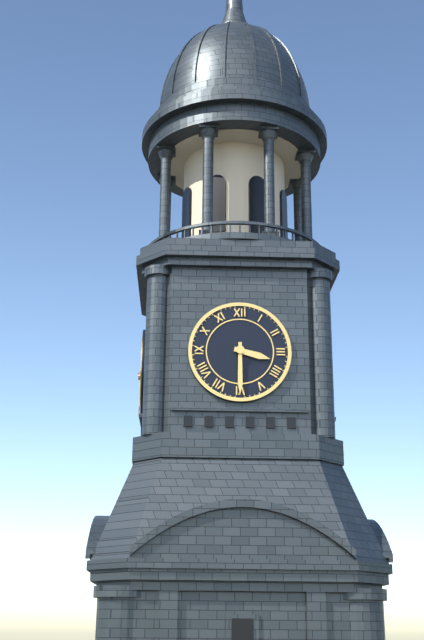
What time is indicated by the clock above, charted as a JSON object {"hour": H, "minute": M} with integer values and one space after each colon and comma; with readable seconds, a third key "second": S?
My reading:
{"hour": 3, "minute": 30}
